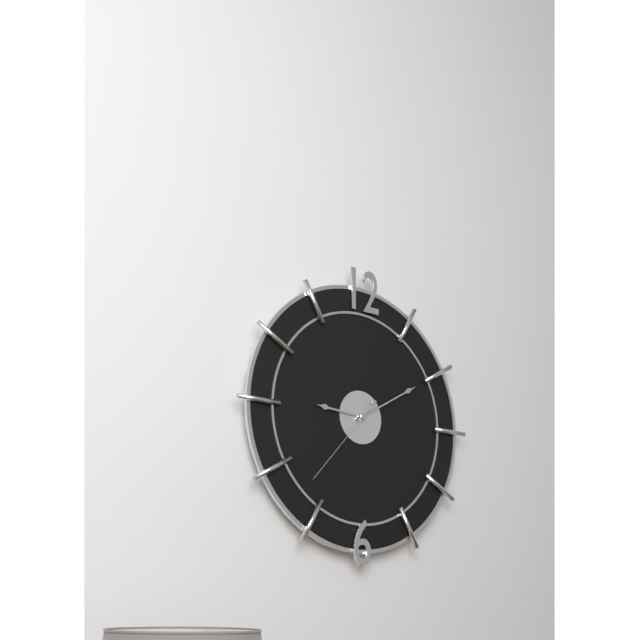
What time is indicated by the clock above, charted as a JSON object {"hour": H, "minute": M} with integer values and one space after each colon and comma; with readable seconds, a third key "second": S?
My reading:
{"hour": 9, "minute": 10, "second": 37}
